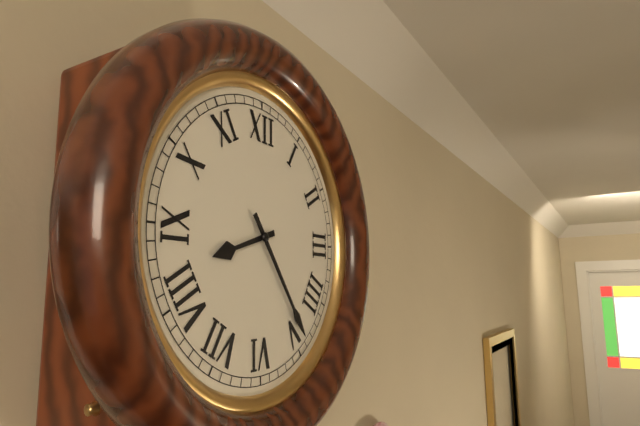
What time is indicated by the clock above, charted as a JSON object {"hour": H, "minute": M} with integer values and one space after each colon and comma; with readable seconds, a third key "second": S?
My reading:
{"hour": 8, "minute": 24}
